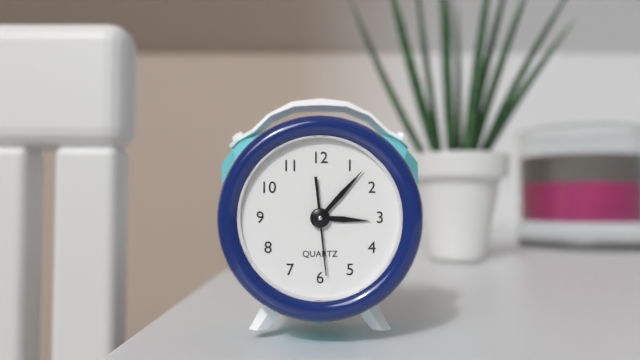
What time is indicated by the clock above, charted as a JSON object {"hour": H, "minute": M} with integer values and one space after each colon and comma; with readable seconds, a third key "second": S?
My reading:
{"hour": 3, "minute": 7, "second": 29}
